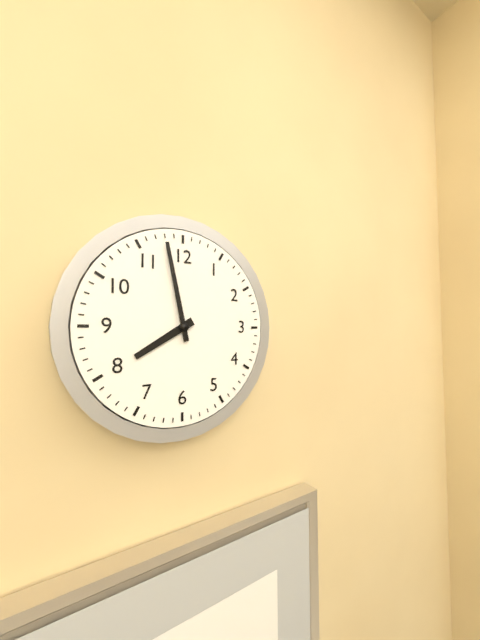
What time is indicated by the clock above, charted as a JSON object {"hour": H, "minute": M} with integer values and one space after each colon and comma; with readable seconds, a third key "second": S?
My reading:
{"hour": 7, "minute": 58}
